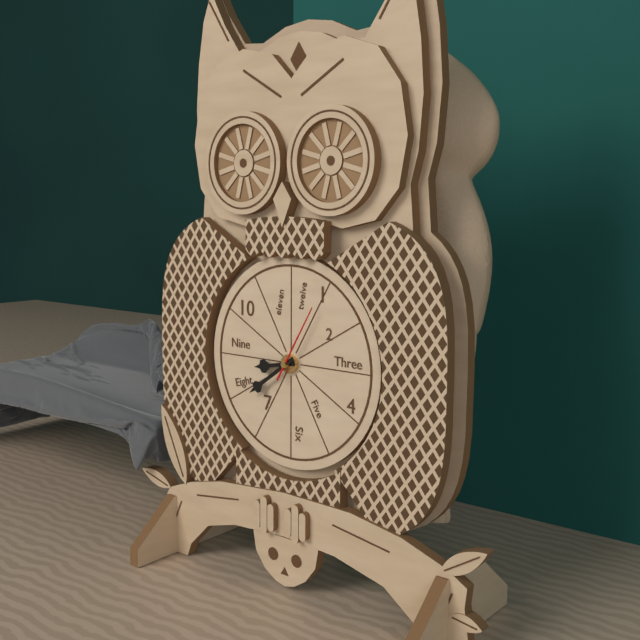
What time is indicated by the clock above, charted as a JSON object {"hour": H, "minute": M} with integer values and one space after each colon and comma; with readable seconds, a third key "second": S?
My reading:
{"hour": 8, "minute": 39, "second": 5}
